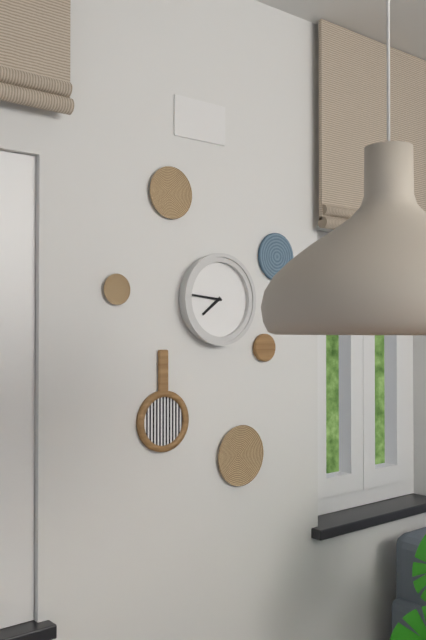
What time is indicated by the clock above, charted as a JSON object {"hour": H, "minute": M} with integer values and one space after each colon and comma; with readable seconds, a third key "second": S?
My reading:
{"hour": 7, "minute": 46}
